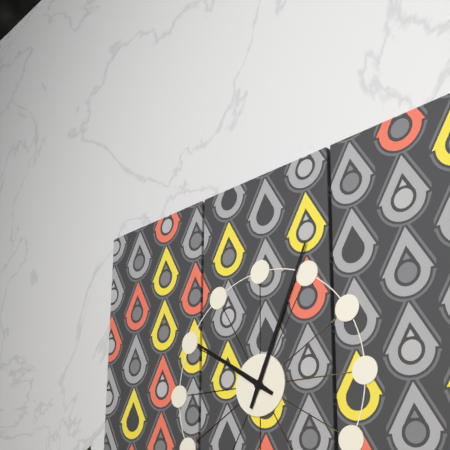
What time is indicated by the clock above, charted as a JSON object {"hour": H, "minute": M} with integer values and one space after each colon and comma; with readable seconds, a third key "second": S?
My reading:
{"hour": 10, "minute": 4}
